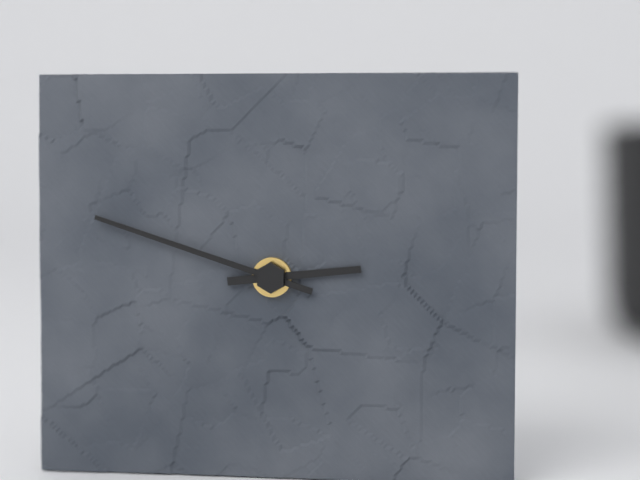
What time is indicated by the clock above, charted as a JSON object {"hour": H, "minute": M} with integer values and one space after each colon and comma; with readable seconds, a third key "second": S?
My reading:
{"hour": 2, "minute": 48}
